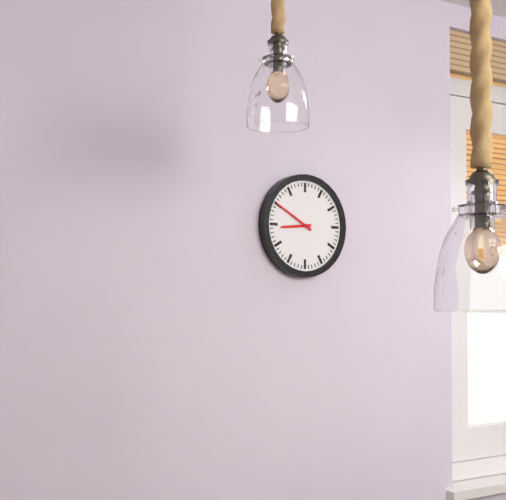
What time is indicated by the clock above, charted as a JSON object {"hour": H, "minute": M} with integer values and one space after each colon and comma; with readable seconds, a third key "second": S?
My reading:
{"hour": 8, "minute": 50}
